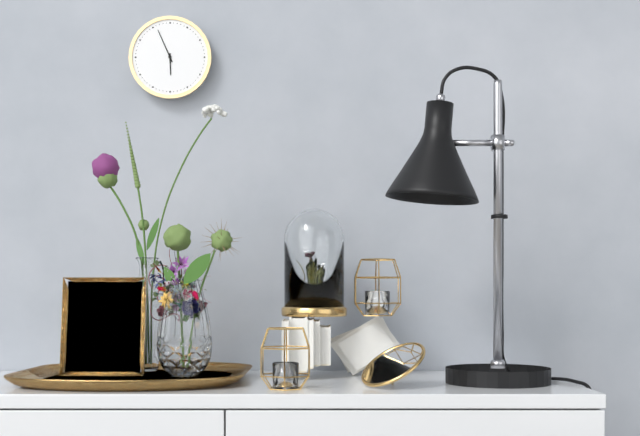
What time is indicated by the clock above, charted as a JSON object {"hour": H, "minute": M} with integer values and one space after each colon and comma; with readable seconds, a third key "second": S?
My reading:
{"hour": 5, "minute": 56}
